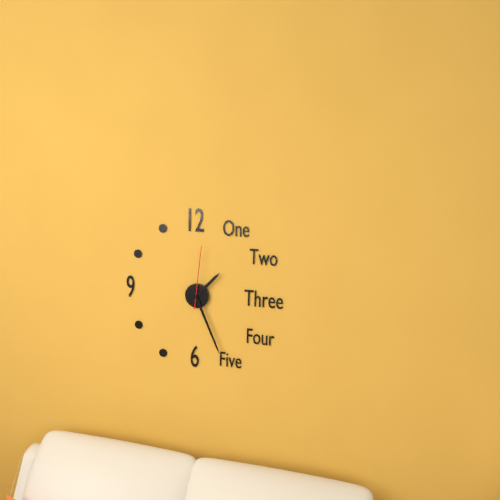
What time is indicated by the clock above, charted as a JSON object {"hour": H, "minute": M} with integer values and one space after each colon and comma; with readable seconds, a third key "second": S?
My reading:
{"hour": 1, "minute": 26, "second": 1}
